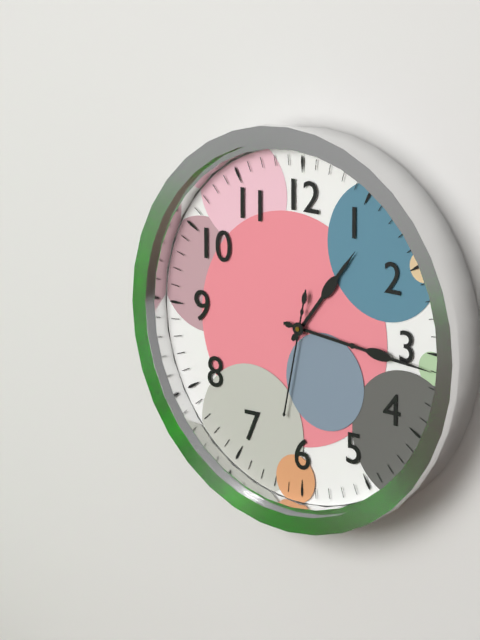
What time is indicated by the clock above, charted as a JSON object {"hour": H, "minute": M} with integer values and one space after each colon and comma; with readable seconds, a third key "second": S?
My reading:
{"hour": 1, "minute": 16, "second": 32}
